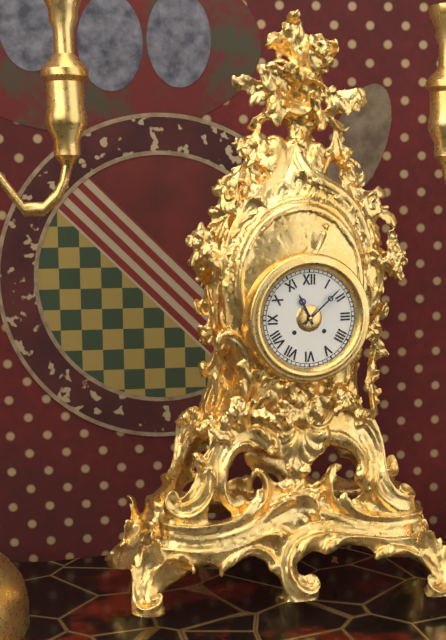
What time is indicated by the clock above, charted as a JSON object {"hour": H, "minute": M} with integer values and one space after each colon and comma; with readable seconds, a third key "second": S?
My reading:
{"hour": 11, "minute": 8}
